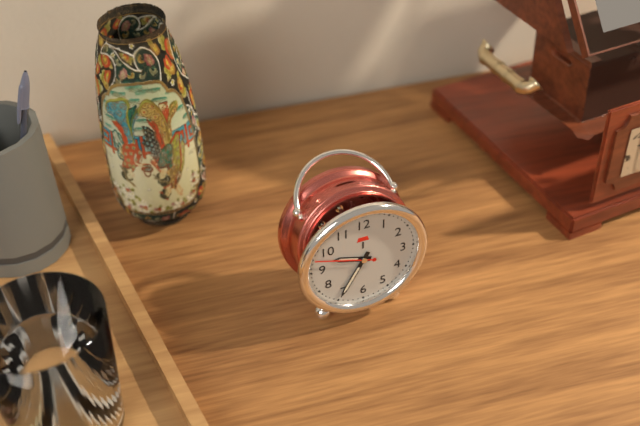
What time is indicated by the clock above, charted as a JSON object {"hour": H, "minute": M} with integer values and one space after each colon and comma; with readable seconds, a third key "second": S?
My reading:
{"hour": 9, "minute": 35, "second": 48}
